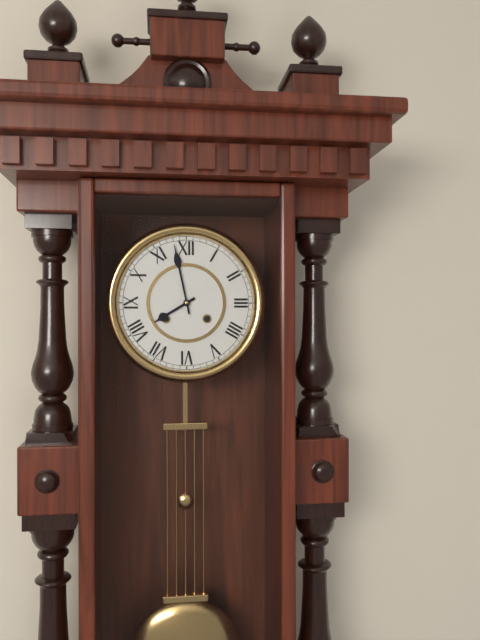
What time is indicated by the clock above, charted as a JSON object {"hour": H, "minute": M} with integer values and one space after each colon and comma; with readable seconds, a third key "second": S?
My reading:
{"hour": 7, "minute": 58}
